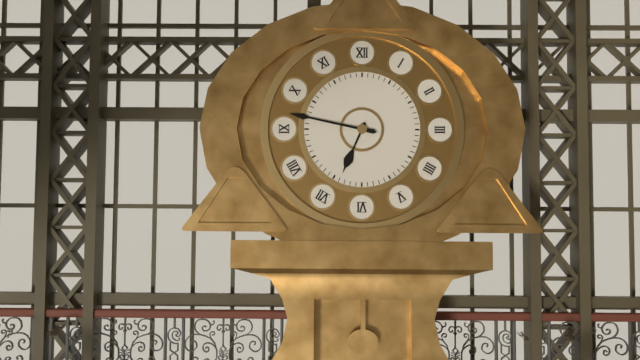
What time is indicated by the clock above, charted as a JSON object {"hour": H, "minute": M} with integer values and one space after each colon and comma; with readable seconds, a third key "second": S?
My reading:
{"hour": 6, "minute": 47}
